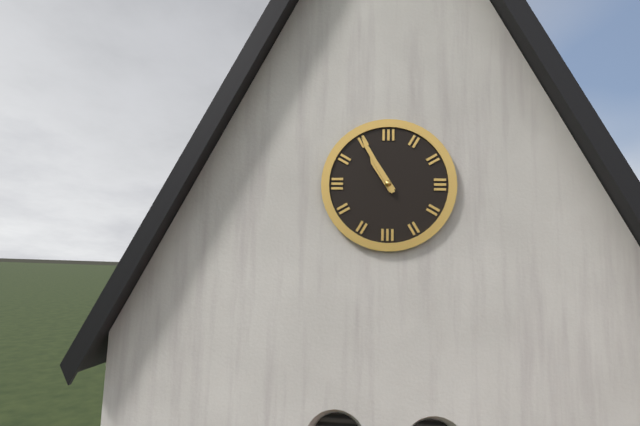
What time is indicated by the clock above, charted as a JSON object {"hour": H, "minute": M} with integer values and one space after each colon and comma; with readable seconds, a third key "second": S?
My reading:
{"hour": 10, "minute": 55}
